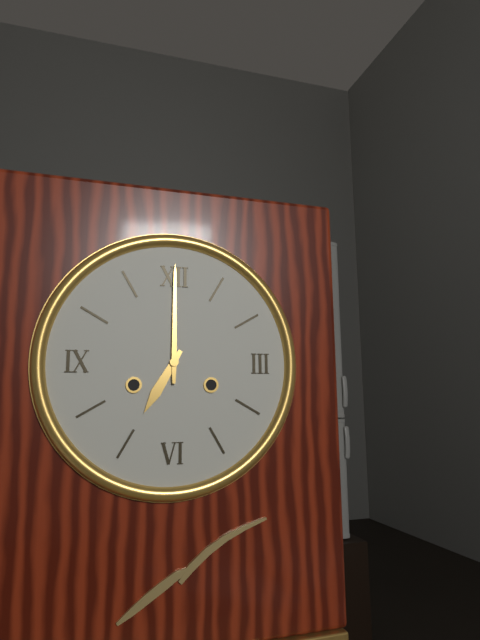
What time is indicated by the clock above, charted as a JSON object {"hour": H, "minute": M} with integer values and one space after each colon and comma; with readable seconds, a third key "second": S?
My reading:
{"hour": 7, "minute": 0}
